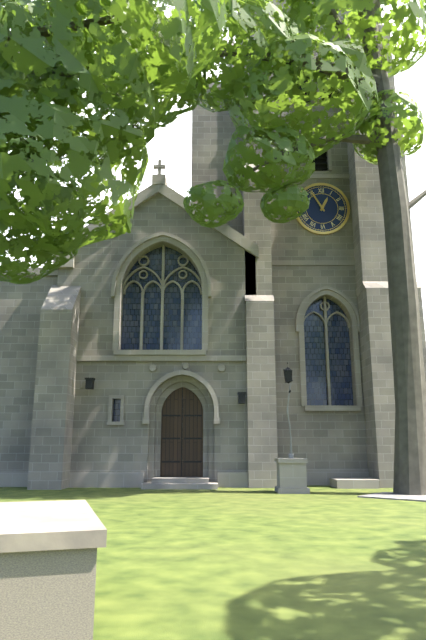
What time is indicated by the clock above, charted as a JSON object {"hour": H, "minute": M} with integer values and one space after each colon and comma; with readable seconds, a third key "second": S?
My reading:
{"hour": 12, "minute": 55}
